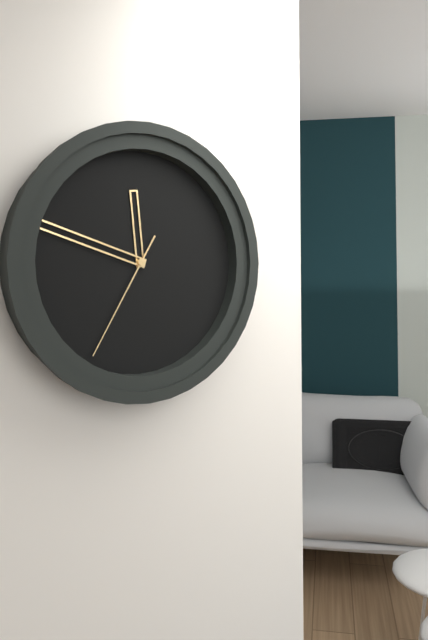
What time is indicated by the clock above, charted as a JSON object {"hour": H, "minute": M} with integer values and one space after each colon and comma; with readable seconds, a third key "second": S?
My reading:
{"hour": 11, "minute": 48, "second": 35}
